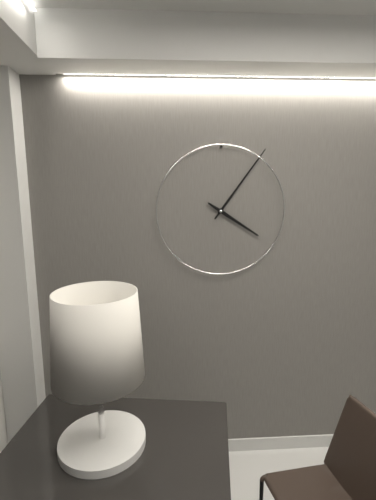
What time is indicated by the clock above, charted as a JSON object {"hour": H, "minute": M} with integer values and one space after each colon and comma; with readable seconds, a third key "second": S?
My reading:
{"hour": 4, "minute": 6}
